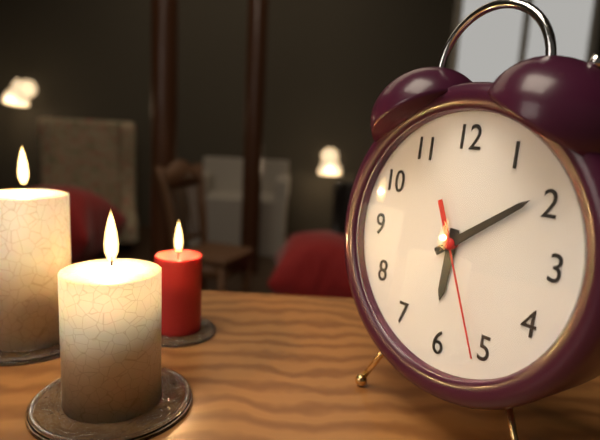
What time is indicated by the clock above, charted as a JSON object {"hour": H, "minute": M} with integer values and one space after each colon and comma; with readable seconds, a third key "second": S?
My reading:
{"hour": 6, "minute": 9, "second": 26}
